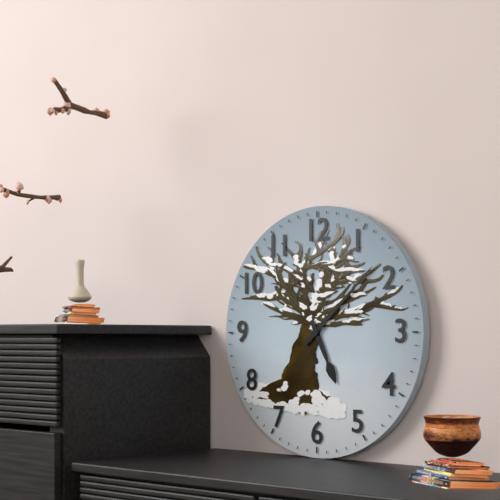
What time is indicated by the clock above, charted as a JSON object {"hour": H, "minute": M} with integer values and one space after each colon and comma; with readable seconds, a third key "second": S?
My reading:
{"hour": 5, "minute": 8}
